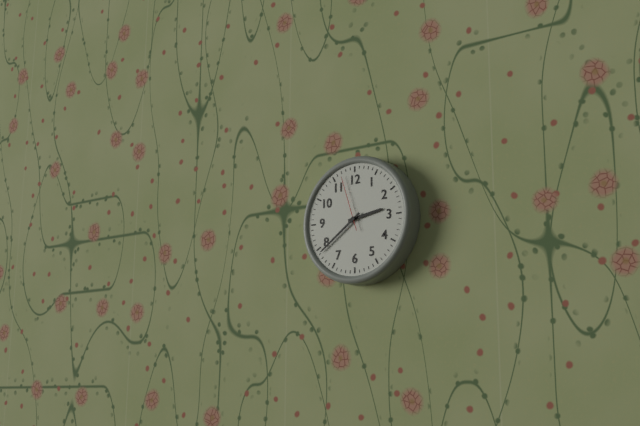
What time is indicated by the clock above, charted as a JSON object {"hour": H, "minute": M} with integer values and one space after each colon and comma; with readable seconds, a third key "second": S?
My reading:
{"hour": 2, "minute": 39, "second": 57}
